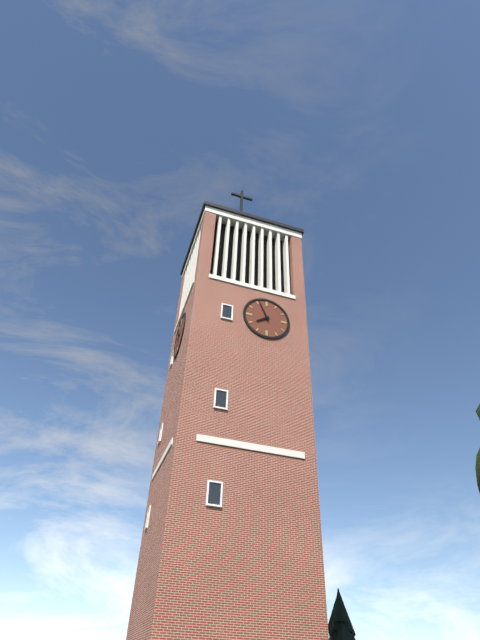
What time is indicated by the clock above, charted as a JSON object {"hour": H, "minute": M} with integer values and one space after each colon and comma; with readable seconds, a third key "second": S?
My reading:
{"hour": 7, "minute": 56}
